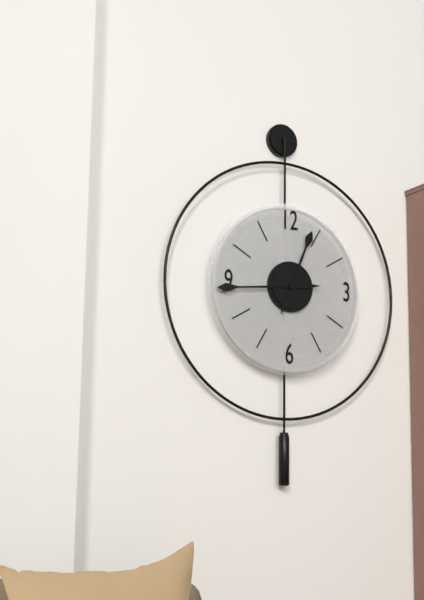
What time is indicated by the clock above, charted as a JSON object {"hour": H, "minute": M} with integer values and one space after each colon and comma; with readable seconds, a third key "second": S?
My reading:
{"hour": 12, "minute": 44}
